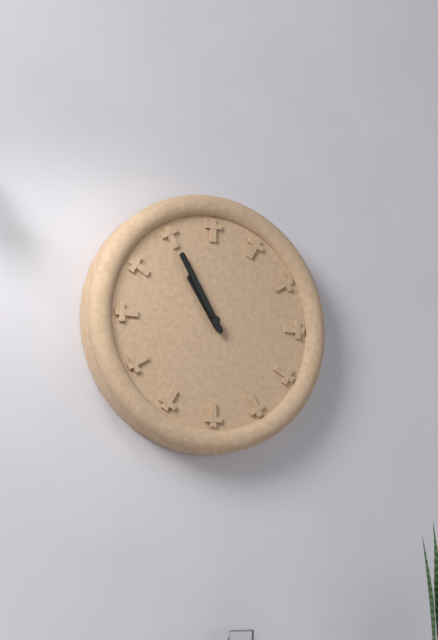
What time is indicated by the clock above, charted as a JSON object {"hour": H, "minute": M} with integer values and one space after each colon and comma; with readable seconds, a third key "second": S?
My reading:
{"hour": 10, "minute": 55}
